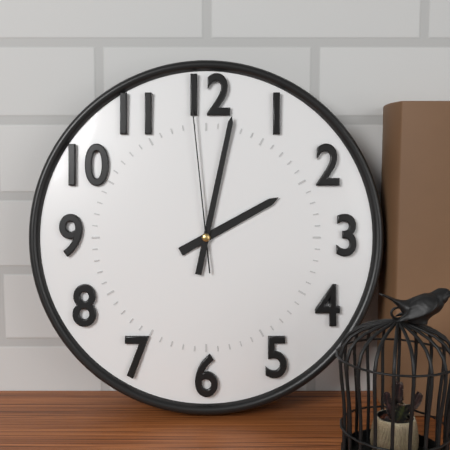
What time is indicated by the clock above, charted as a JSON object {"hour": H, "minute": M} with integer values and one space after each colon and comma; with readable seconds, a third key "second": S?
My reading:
{"hour": 2, "minute": 2, "second": 59}
